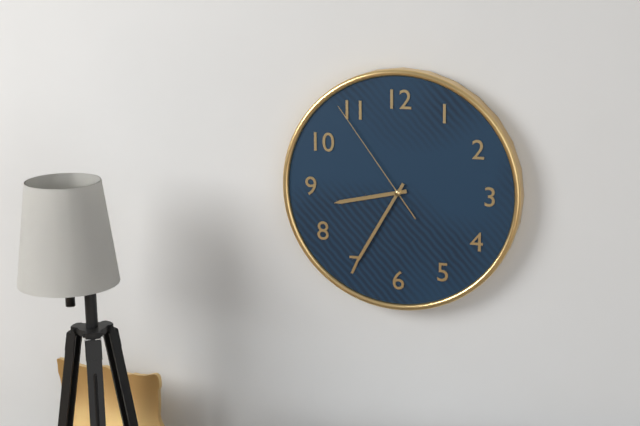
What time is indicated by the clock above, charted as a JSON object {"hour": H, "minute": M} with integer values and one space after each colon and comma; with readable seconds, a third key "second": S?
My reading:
{"hour": 8, "minute": 35, "second": 54}
